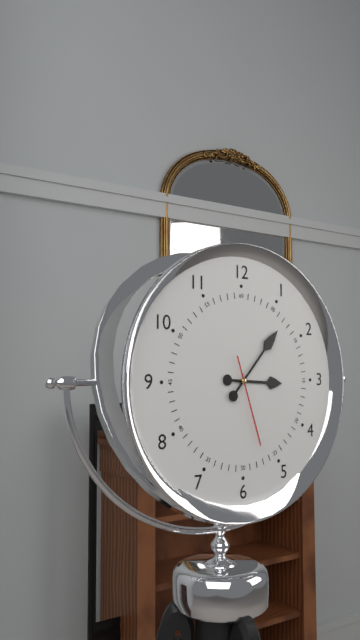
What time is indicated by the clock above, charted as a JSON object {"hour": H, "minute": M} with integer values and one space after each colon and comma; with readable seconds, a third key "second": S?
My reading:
{"hour": 3, "minute": 7, "second": 27}
